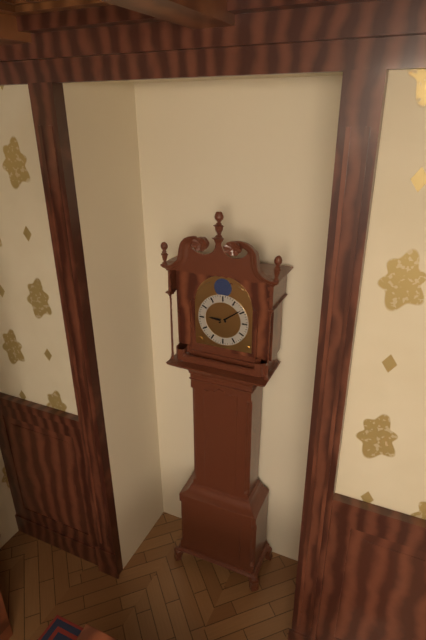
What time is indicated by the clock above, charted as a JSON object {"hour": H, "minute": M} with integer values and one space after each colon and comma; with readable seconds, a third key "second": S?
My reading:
{"hour": 9, "minute": 9}
